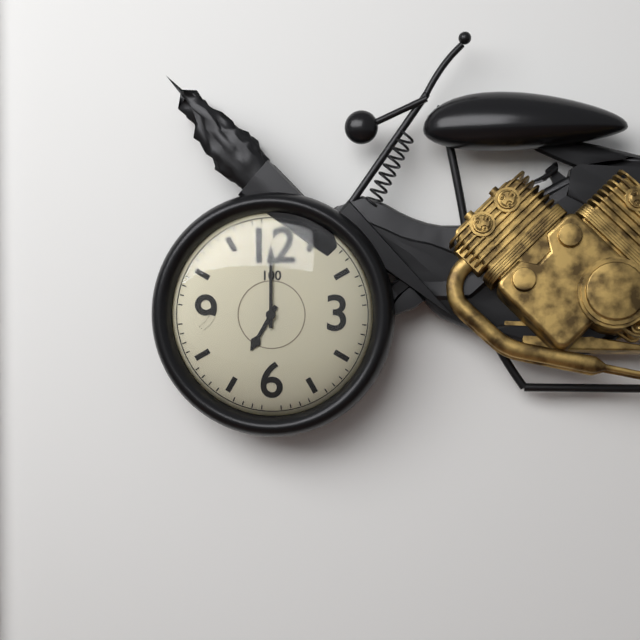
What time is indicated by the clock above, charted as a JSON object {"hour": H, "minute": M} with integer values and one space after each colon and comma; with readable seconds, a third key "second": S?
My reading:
{"hour": 7, "minute": 0}
